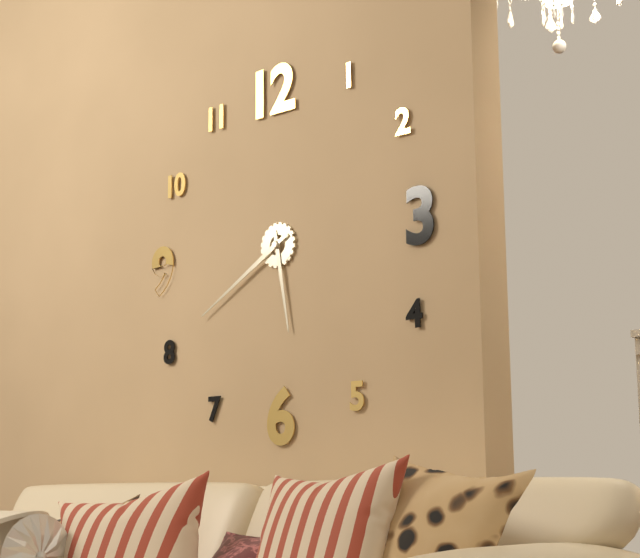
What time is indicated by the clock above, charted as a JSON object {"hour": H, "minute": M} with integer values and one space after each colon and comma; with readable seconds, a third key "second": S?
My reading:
{"hour": 5, "minute": 40}
